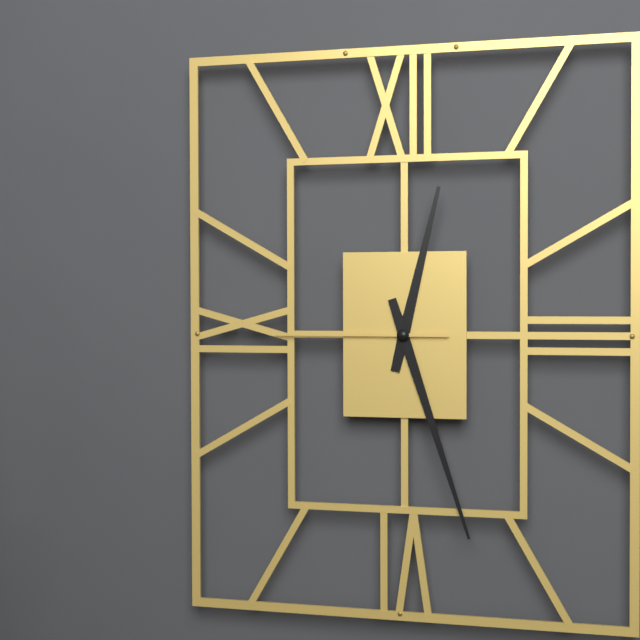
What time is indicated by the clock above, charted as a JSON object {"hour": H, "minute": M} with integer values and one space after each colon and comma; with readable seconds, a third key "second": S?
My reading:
{"hour": 12, "minute": 27, "second": 45}
